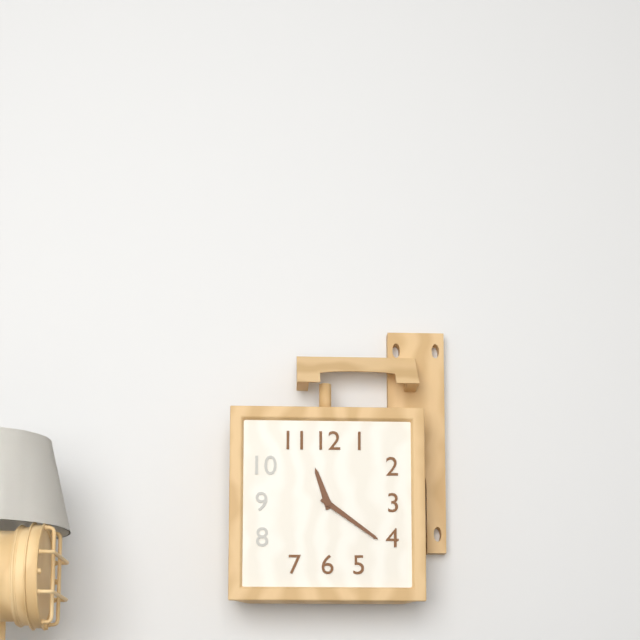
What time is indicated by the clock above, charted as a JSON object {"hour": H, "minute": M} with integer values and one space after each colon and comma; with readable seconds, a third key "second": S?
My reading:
{"hour": 11, "minute": 21}
